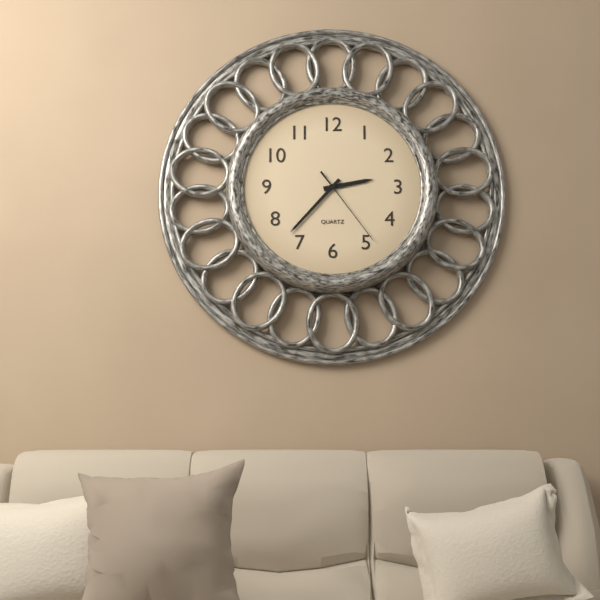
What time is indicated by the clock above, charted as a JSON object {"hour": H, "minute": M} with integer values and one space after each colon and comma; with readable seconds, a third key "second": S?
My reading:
{"hour": 2, "minute": 37, "second": 24}
